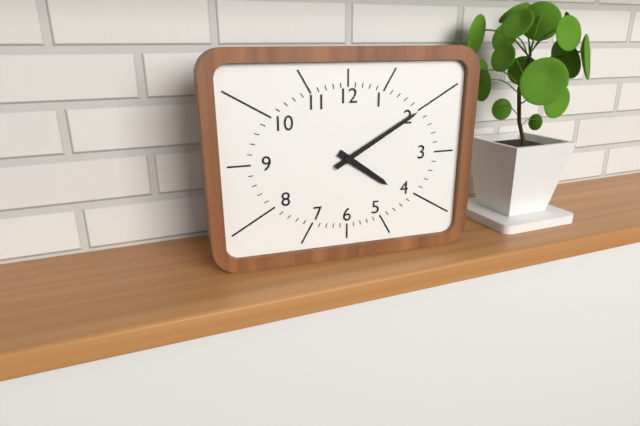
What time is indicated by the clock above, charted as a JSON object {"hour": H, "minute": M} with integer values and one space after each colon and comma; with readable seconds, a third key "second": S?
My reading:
{"hour": 4, "minute": 10}
